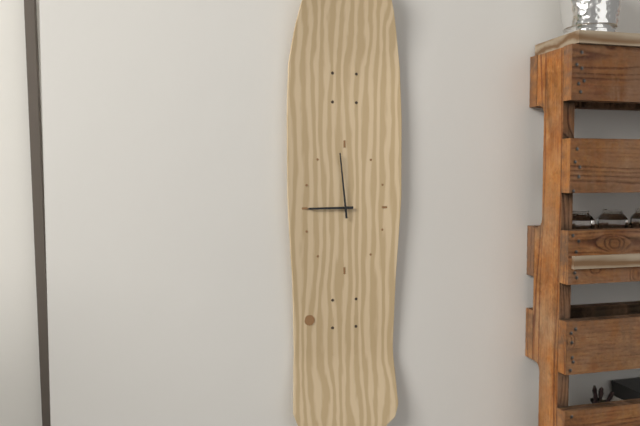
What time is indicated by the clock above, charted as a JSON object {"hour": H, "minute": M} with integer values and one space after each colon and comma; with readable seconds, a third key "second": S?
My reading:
{"hour": 8, "minute": 59}
